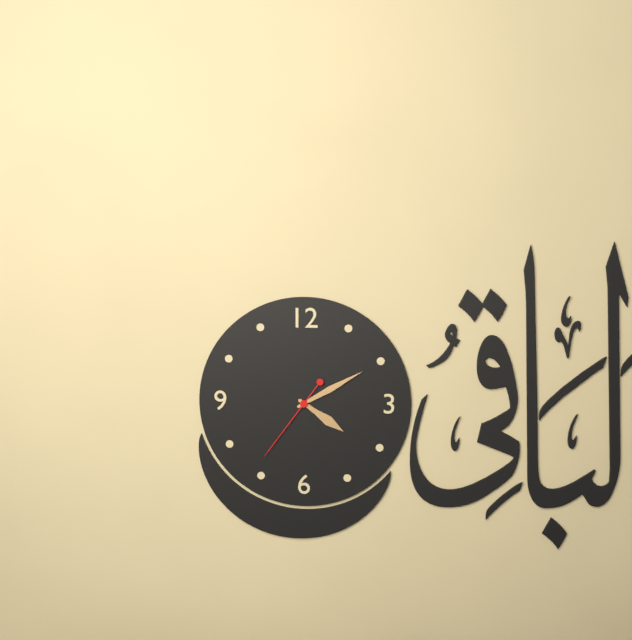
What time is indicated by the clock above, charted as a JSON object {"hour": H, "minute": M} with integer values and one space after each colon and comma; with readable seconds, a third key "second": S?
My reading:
{"hour": 4, "minute": 10, "second": 36}
